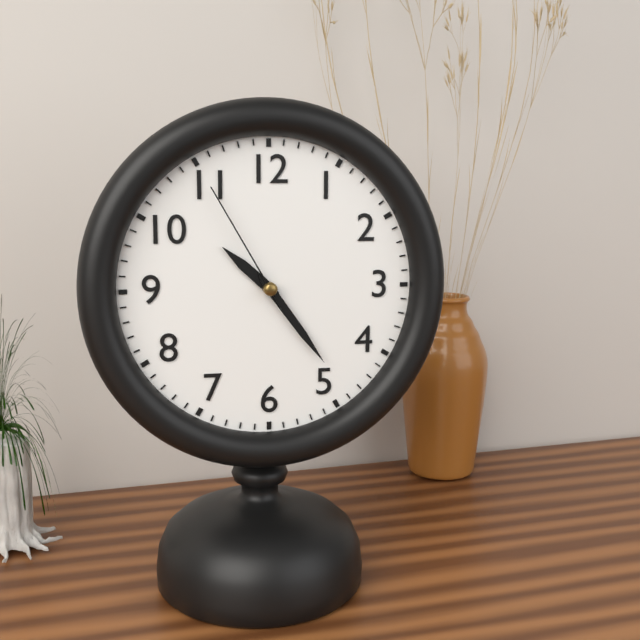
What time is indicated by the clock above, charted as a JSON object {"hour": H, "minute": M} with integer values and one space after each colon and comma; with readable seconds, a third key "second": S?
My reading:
{"hour": 10, "minute": 24, "second": 55}
